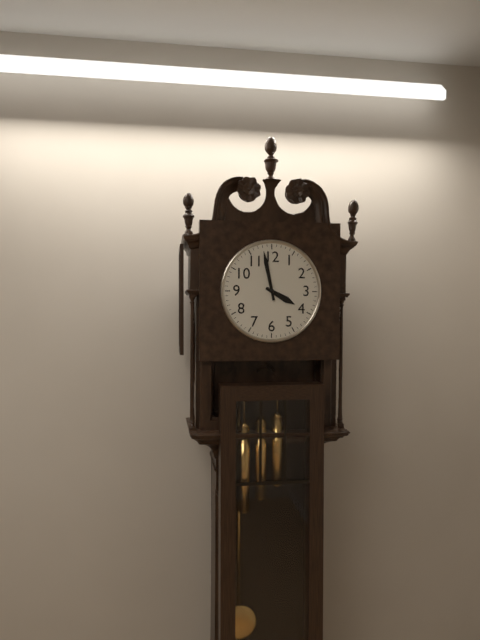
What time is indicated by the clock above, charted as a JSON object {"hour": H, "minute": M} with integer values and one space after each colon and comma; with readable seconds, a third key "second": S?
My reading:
{"hour": 3, "minute": 58}
